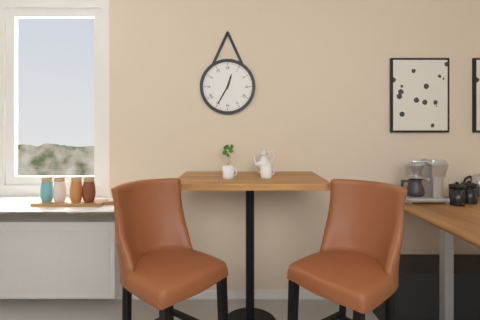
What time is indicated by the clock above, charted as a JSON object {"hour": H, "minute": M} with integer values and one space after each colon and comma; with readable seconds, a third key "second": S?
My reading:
{"hour": 12, "minute": 35}
